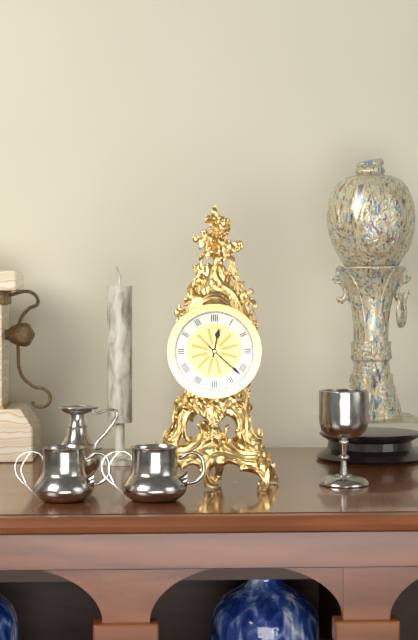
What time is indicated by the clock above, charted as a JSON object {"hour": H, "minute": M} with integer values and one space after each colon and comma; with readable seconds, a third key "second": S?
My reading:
{"hour": 12, "minute": 22}
